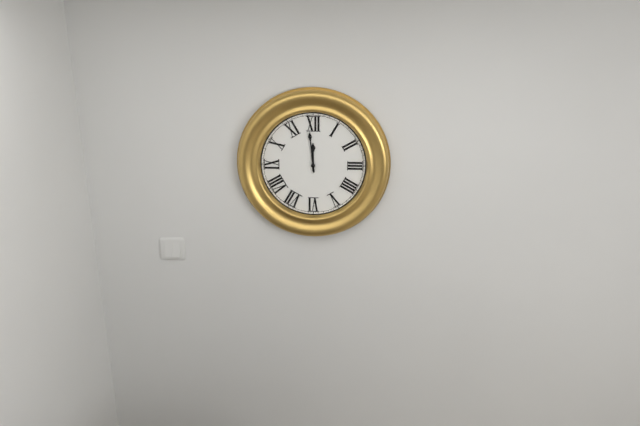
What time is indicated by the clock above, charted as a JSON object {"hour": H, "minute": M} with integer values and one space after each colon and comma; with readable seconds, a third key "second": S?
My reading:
{"hour": 11, "minute": 59}
